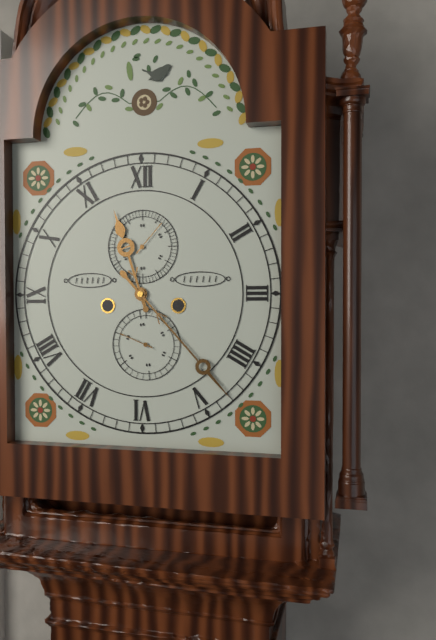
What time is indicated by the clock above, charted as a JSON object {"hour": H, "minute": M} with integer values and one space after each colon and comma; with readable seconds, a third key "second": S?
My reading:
{"hour": 11, "minute": 23}
